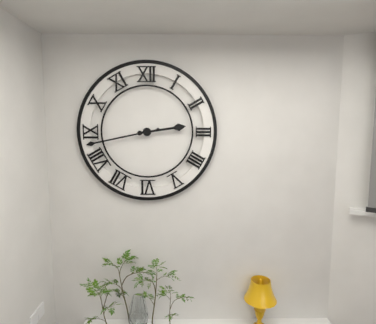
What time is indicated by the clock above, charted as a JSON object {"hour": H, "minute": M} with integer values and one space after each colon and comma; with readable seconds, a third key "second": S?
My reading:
{"hour": 2, "minute": 43}
